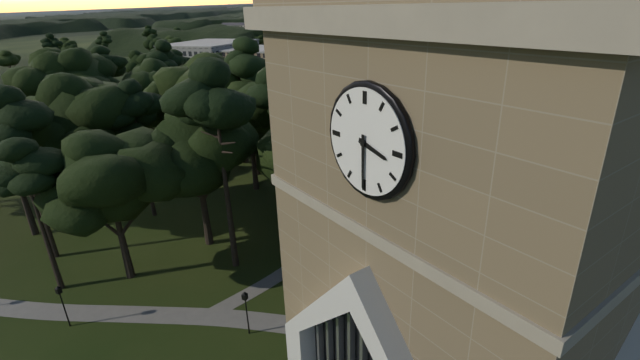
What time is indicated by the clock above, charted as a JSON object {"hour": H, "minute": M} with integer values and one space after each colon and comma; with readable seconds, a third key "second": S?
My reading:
{"hour": 3, "minute": 30}
